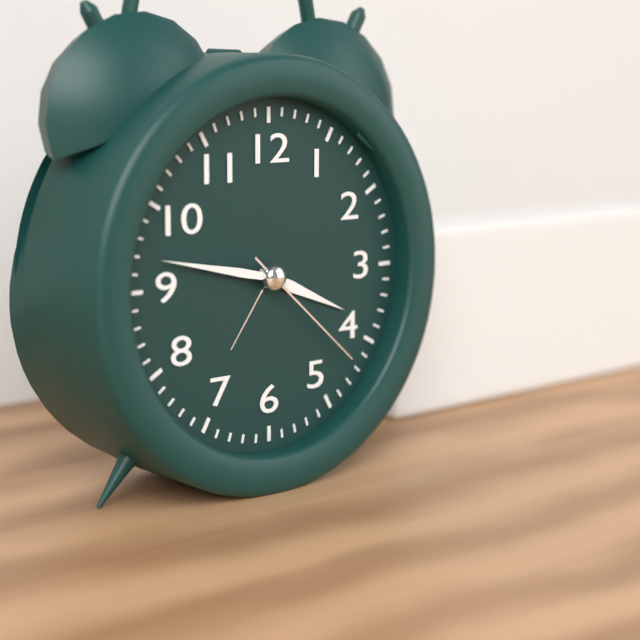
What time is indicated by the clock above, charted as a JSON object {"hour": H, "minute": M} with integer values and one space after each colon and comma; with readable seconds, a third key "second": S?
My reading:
{"hour": 3, "minute": 47, "second": 22}
